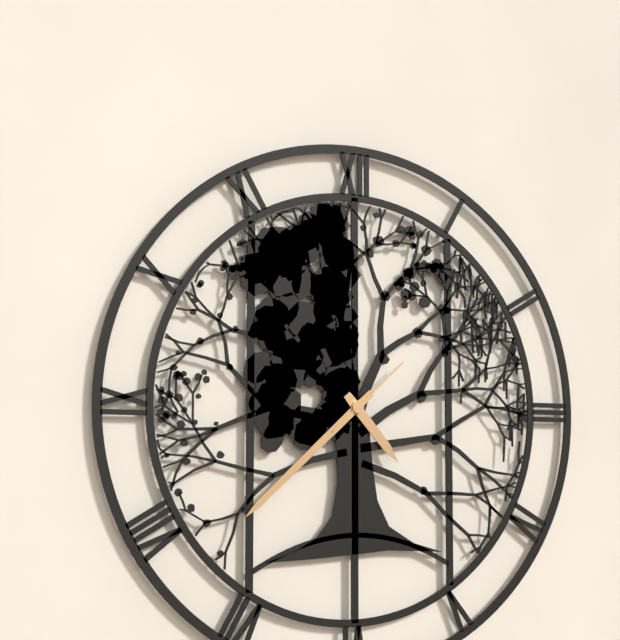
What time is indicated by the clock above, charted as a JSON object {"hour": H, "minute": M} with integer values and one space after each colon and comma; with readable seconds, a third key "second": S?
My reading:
{"hour": 4, "minute": 38, "second": 8}
